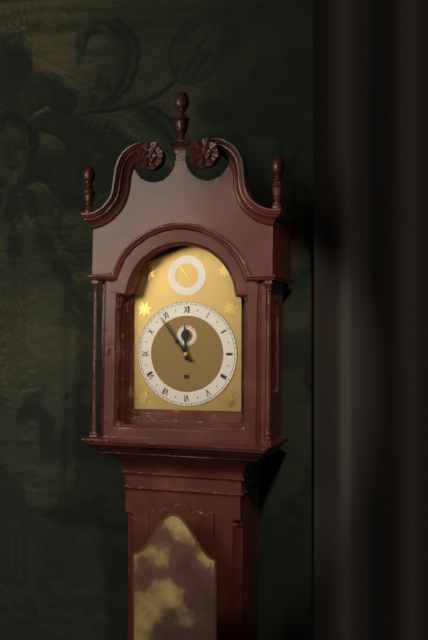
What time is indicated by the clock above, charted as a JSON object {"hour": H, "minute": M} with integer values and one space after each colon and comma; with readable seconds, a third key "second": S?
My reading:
{"hour": 11, "minute": 54}
